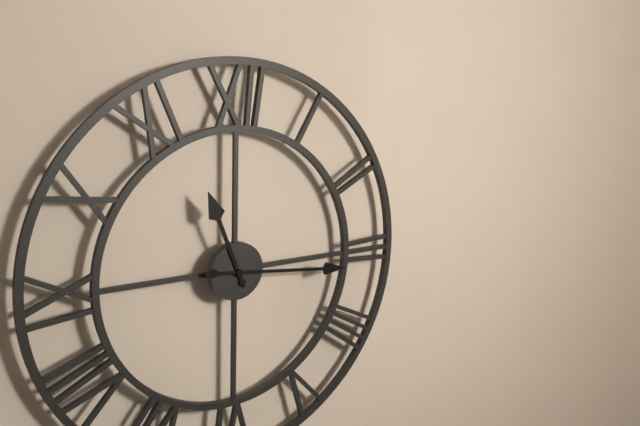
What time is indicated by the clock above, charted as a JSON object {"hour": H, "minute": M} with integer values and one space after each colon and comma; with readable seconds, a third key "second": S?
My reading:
{"hour": 11, "minute": 16}
